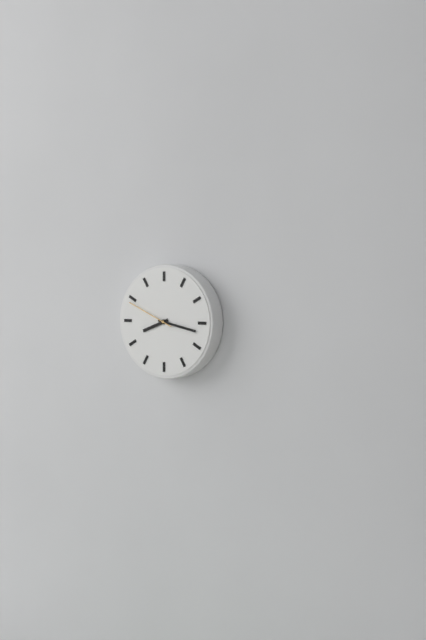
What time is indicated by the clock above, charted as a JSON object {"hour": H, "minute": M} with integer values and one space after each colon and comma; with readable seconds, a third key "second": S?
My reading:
{"hour": 8, "minute": 17}
